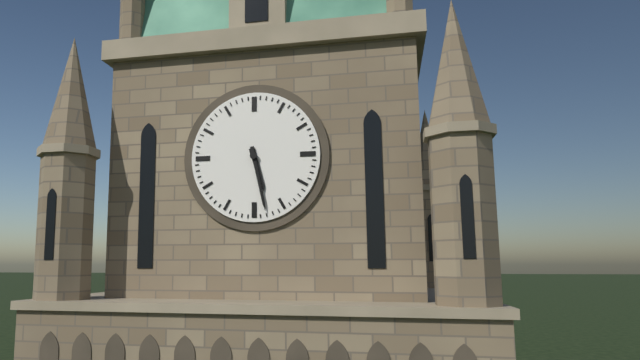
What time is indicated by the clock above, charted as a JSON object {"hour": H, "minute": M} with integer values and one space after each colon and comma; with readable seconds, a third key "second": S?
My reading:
{"hour": 5, "minute": 28}
